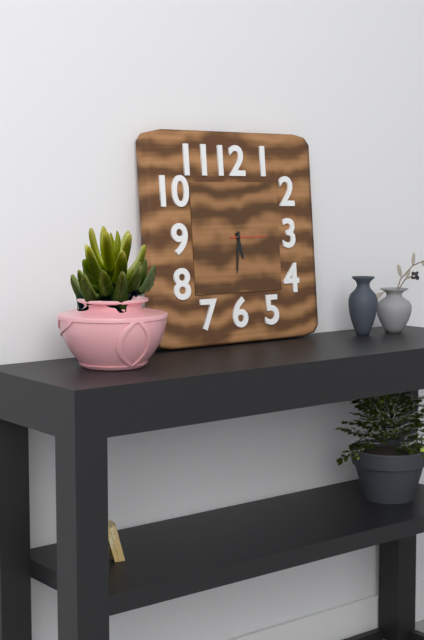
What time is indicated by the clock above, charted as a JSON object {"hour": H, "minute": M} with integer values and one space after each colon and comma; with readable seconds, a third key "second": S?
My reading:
{"hour": 5, "minute": 31}
